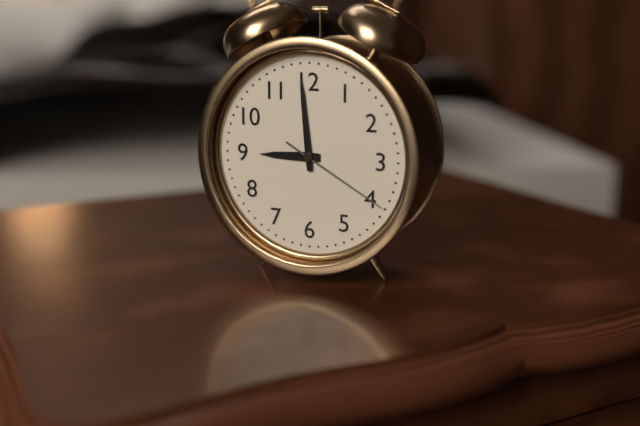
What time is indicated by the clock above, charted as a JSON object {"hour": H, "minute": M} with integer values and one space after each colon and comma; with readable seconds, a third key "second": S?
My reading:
{"hour": 8, "minute": 59, "second": 20}
